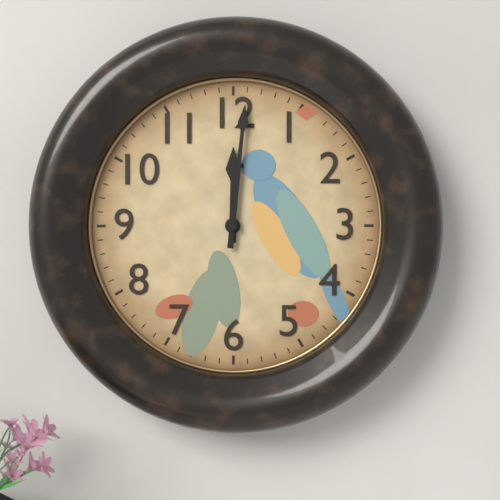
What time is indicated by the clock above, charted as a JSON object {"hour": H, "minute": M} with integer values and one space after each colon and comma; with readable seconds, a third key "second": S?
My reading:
{"hour": 12, "minute": 1}
